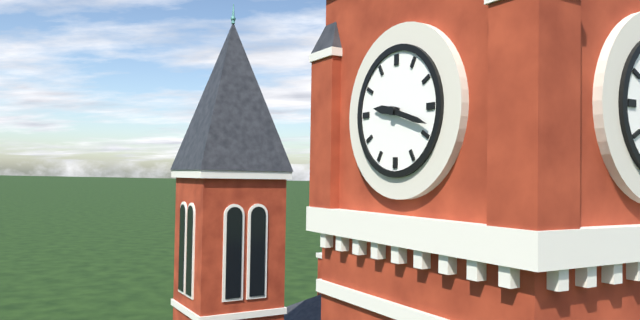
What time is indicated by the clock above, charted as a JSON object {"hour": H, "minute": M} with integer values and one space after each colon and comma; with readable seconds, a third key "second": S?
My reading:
{"hour": 9, "minute": 18}
